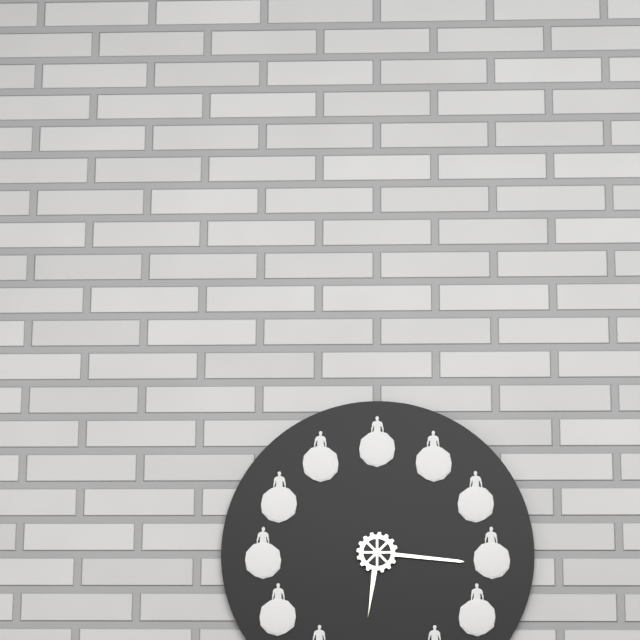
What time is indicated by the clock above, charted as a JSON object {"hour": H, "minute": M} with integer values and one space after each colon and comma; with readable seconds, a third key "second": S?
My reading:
{"hour": 6, "minute": 16}
